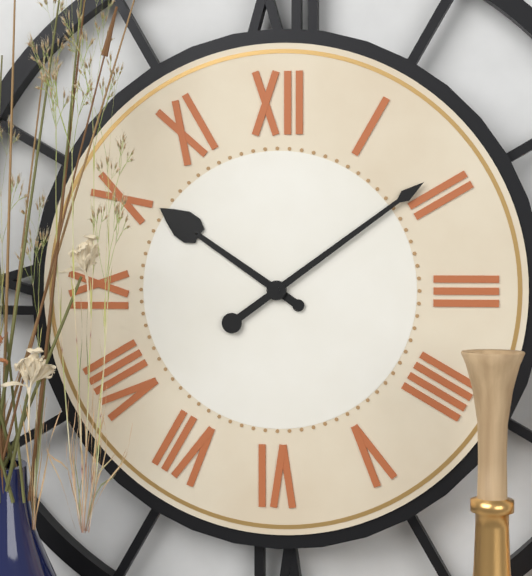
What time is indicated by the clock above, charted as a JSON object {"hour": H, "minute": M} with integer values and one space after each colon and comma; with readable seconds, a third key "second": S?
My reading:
{"hour": 10, "minute": 9}
